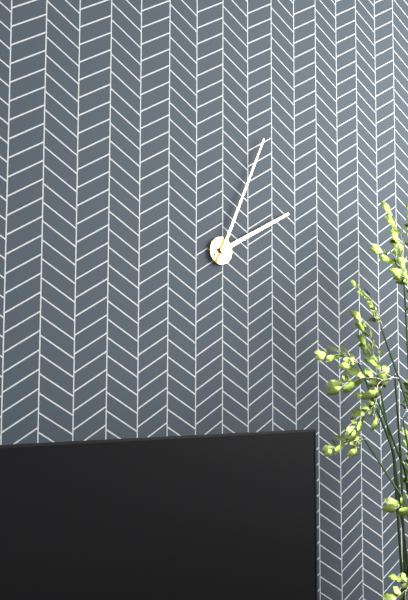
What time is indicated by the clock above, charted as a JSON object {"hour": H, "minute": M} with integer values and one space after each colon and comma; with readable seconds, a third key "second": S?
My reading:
{"hour": 2, "minute": 4}
